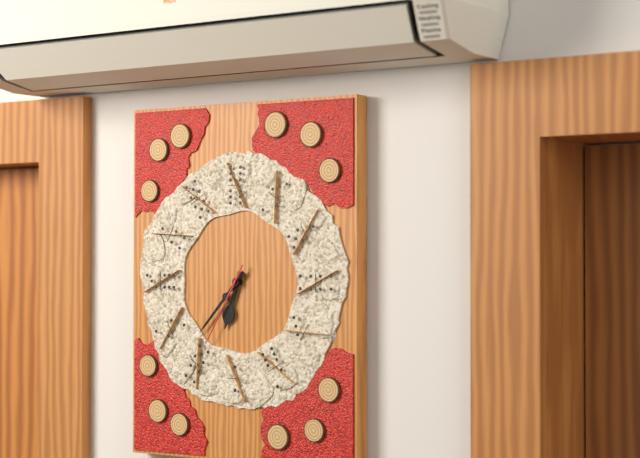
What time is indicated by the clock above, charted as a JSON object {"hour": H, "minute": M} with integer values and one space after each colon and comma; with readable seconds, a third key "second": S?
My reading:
{"hour": 6, "minute": 37, "second": 35}
